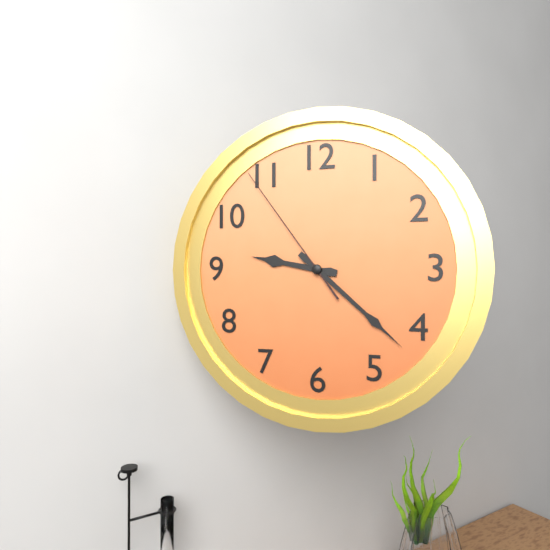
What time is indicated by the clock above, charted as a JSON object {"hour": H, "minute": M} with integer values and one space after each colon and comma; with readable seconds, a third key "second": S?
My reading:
{"hour": 9, "minute": 22, "second": 54}
